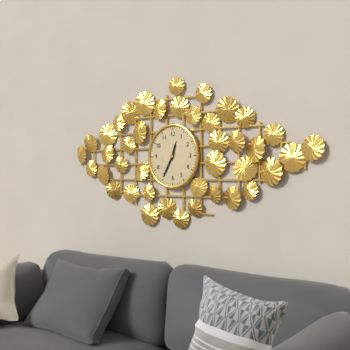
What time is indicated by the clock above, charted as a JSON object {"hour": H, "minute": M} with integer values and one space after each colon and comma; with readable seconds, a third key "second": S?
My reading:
{"hour": 12, "minute": 35}
